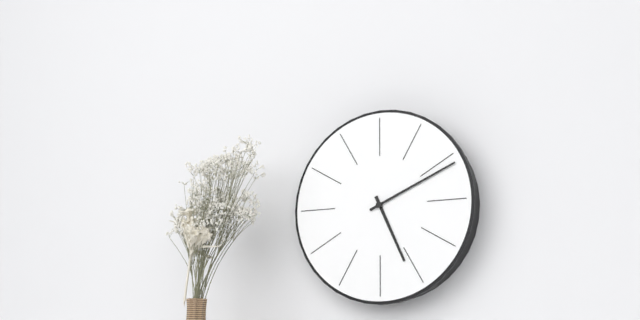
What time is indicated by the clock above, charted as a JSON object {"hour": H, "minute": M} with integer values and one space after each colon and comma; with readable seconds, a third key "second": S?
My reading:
{"hour": 5, "minute": 11}
